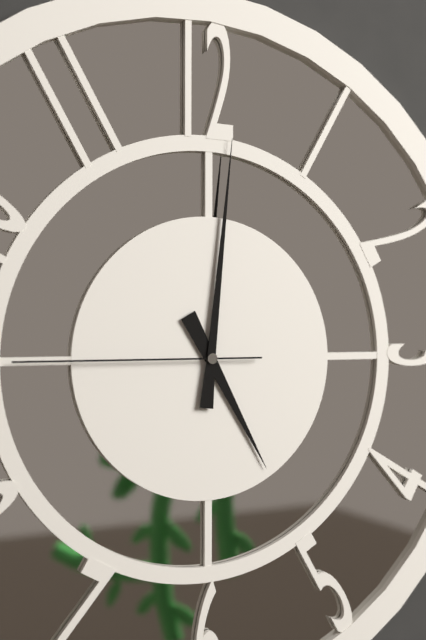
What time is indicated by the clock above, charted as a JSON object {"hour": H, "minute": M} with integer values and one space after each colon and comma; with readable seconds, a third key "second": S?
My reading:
{"hour": 5, "minute": 1, "second": 45}
